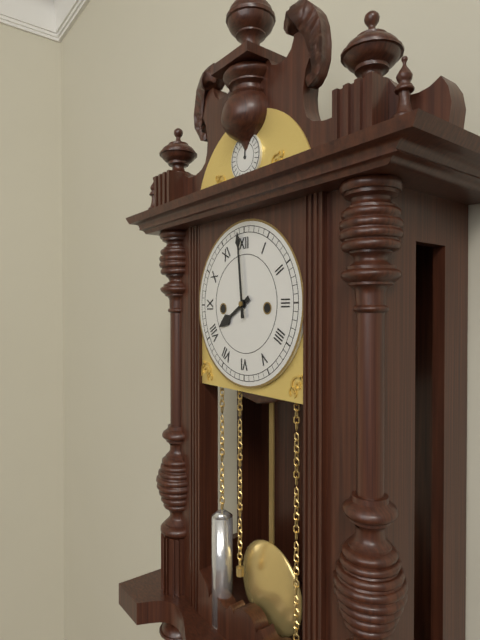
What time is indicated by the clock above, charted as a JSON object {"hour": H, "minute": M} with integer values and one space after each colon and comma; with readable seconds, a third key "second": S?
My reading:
{"hour": 7, "minute": 59}
